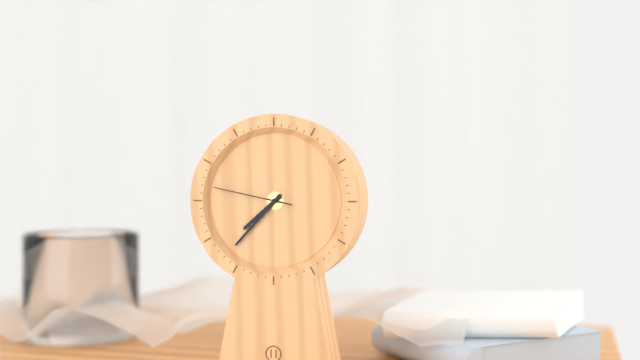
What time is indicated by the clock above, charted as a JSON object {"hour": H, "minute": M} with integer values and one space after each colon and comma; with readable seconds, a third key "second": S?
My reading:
{"hour": 7, "minute": 37, "second": 47}
